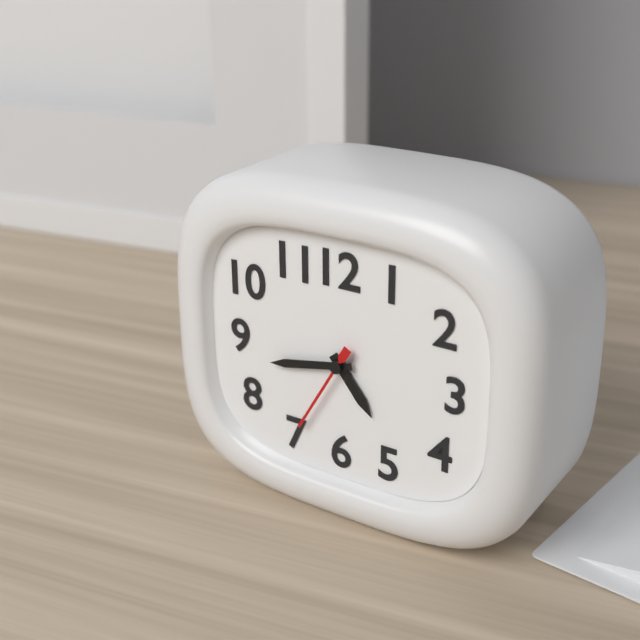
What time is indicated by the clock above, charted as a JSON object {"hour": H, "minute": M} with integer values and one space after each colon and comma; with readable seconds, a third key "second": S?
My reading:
{"hour": 4, "minute": 43, "second": 35}
